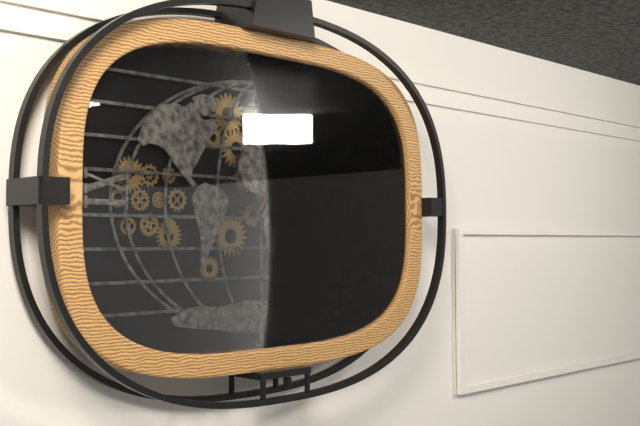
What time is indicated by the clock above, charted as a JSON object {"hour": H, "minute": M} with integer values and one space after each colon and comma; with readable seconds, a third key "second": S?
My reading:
{"hour": 1, "minute": 6}
